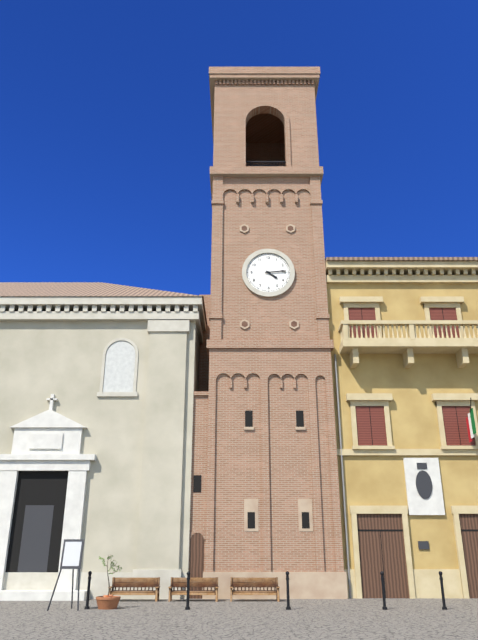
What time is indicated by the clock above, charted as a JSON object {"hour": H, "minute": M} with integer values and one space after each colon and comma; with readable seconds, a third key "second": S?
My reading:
{"hour": 4, "minute": 14}
